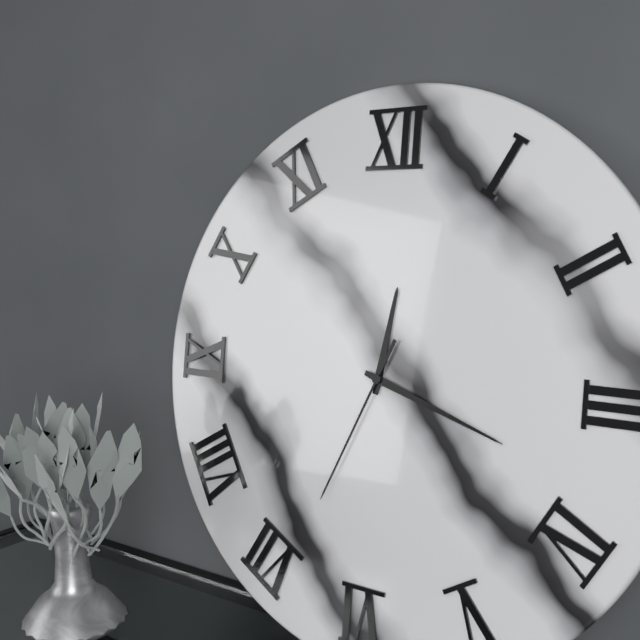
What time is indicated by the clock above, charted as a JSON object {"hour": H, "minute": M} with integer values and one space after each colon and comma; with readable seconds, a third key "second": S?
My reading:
{"hour": 12, "minute": 18, "second": 34}
